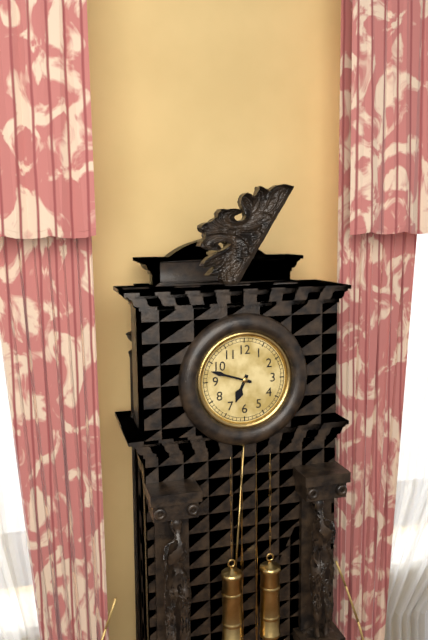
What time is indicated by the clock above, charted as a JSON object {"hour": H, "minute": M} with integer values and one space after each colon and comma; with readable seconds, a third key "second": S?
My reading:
{"hour": 6, "minute": 48}
